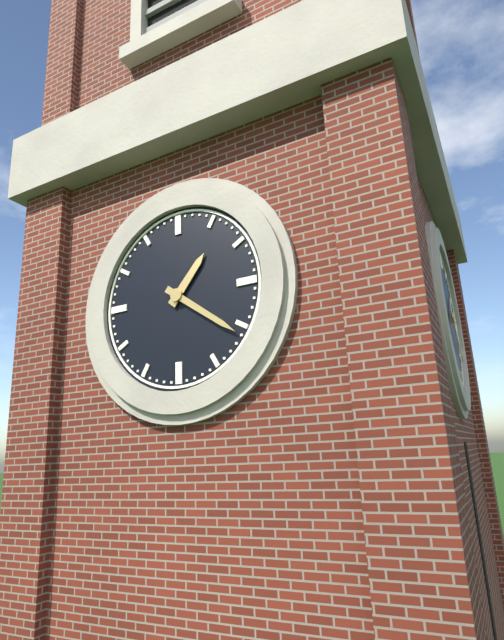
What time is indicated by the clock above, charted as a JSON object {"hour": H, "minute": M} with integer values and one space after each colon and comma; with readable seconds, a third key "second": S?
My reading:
{"hour": 1, "minute": 21}
